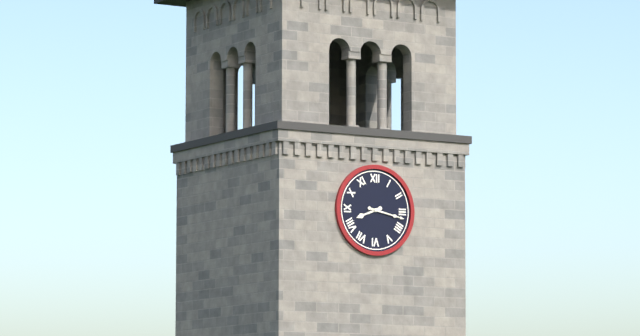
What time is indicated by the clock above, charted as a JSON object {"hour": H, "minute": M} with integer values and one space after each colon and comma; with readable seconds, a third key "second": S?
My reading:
{"hour": 8, "minute": 17}
